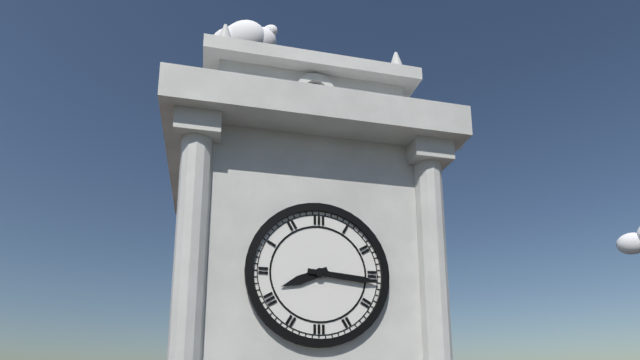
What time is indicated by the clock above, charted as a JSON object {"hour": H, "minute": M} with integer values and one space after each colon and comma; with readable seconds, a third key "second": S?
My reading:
{"hour": 8, "minute": 16}
